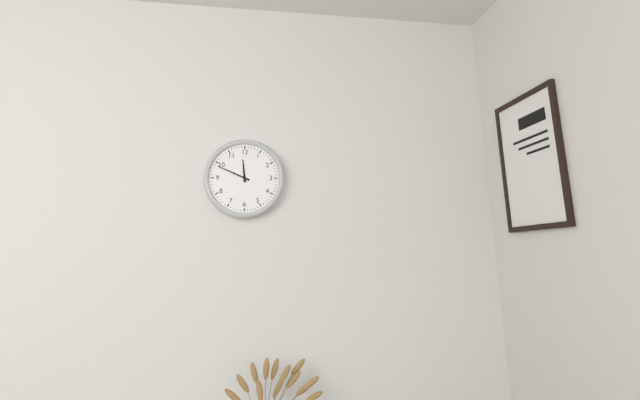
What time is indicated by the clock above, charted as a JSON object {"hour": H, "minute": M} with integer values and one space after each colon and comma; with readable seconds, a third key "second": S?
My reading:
{"hour": 11, "minute": 49}
